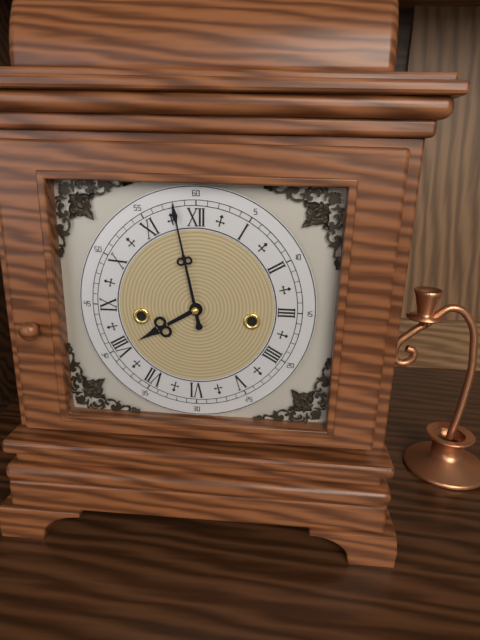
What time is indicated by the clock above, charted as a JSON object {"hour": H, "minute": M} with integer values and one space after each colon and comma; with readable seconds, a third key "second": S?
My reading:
{"hour": 7, "minute": 58}
